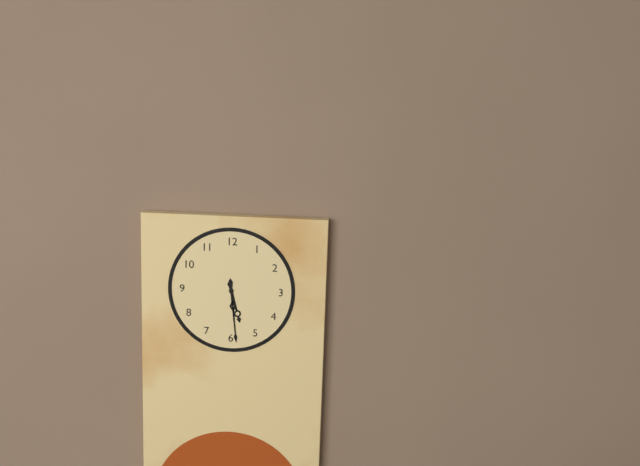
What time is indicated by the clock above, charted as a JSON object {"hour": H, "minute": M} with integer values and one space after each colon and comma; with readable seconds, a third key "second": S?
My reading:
{"hour": 5, "minute": 29}
